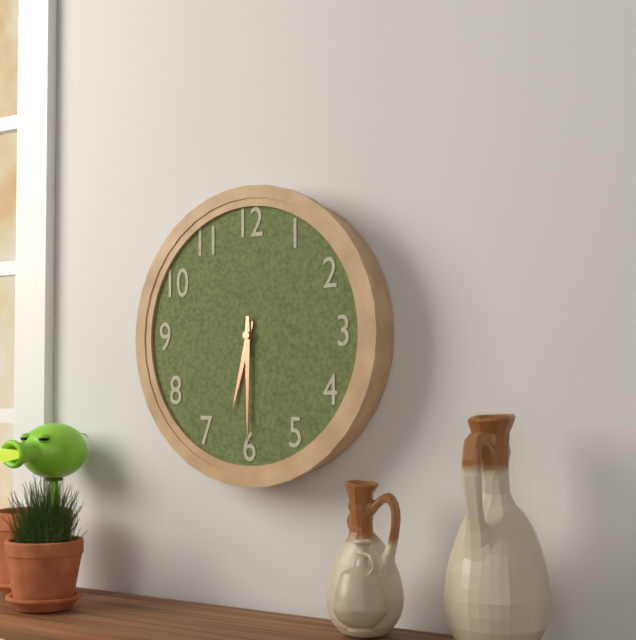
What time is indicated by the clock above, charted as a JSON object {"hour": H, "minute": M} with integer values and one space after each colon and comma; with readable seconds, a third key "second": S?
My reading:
{"hour": 6, "minute": 30}
